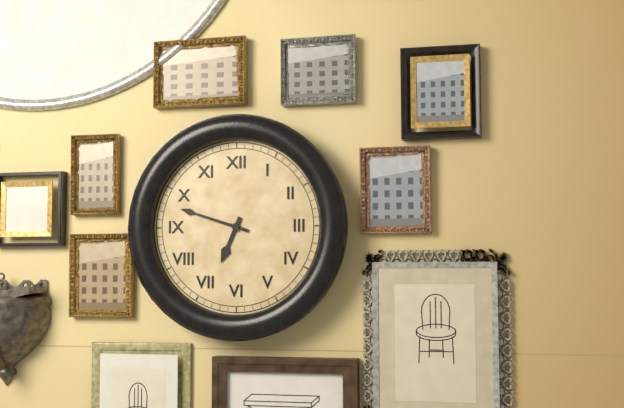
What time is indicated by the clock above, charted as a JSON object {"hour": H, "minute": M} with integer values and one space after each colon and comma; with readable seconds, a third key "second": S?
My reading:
{"hour": 6, "minute": 48}
